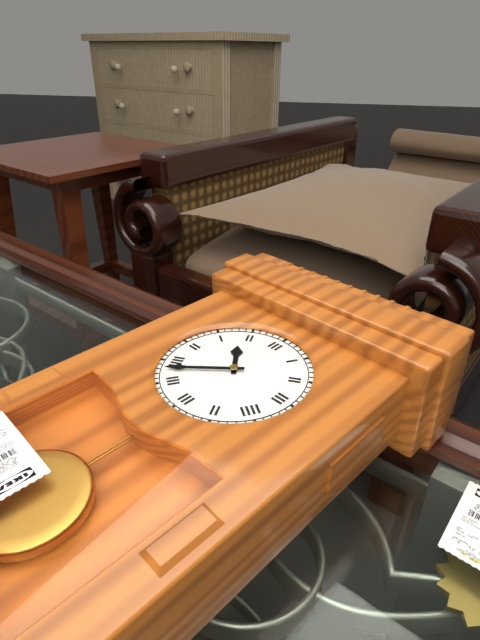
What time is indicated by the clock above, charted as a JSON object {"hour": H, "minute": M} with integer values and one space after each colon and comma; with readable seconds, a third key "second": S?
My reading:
{"hour": 10, "minute": 38}
